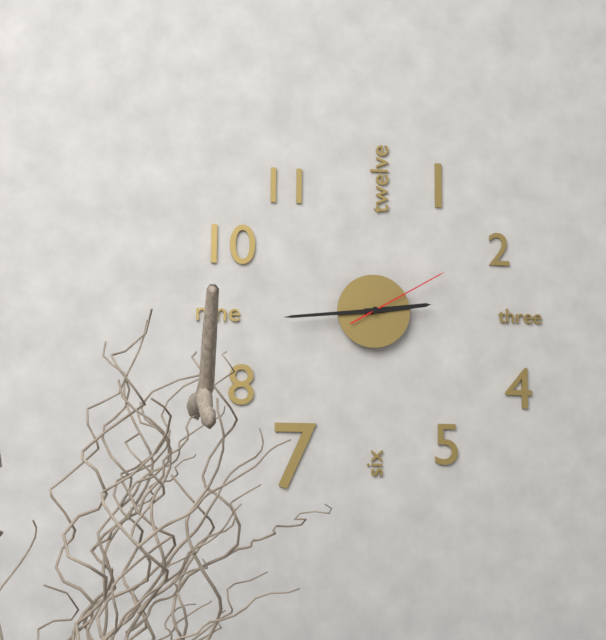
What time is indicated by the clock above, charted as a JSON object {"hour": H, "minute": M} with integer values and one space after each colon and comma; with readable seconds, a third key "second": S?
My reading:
{"hour": 2, "minute": 44, "second": 10}
